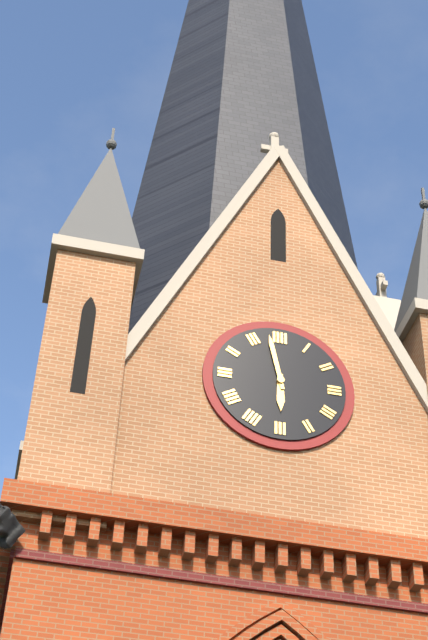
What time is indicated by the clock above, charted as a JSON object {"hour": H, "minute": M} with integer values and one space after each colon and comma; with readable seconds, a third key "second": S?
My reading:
{"hour": 5, "minute": 58}
